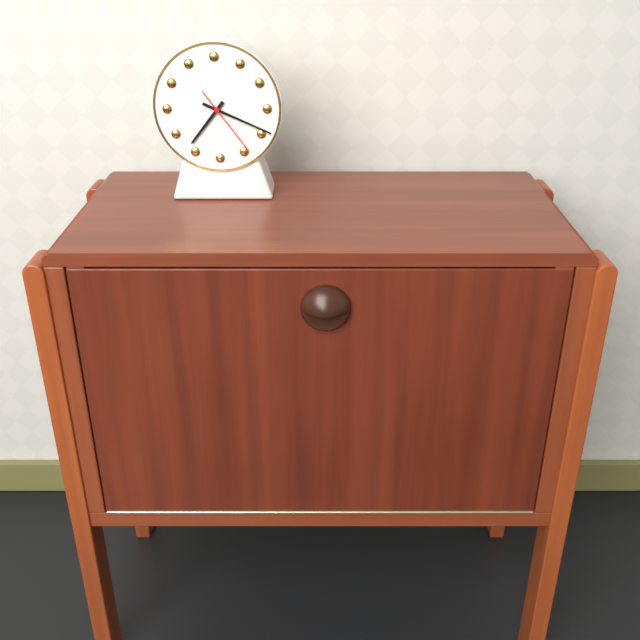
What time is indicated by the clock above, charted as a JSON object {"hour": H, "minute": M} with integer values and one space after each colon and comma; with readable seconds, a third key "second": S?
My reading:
{"hour": 7, "minute": 19, "second": 24}
